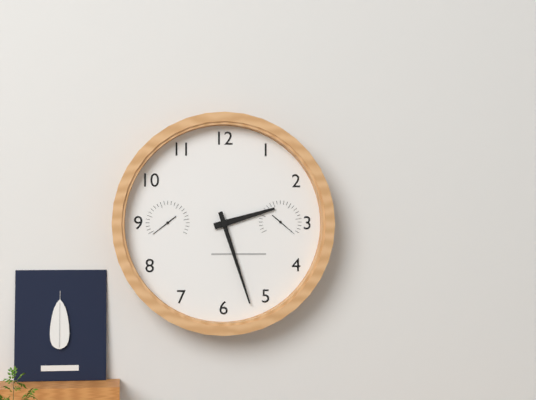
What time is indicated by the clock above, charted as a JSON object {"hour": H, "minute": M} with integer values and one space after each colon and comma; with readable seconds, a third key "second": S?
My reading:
{"hour": 2, "minute": 27}
